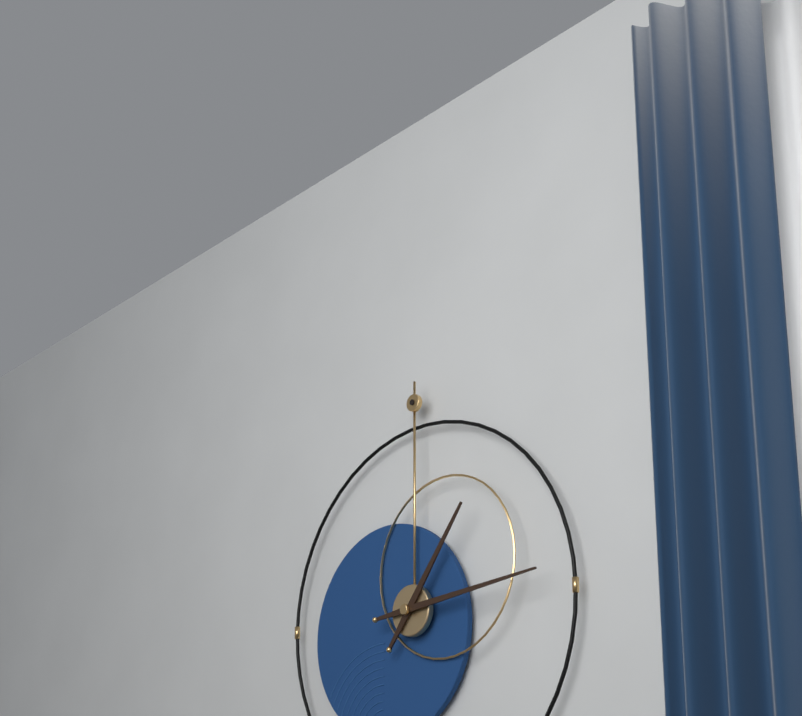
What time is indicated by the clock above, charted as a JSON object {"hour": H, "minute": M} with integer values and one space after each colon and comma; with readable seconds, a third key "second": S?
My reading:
{"hour": 1, "minute": 14}
